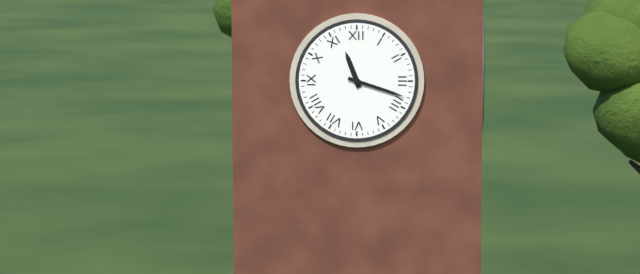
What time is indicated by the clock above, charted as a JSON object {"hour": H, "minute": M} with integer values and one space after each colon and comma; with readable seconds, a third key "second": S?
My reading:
{"hour": 11, "minute": 18}
